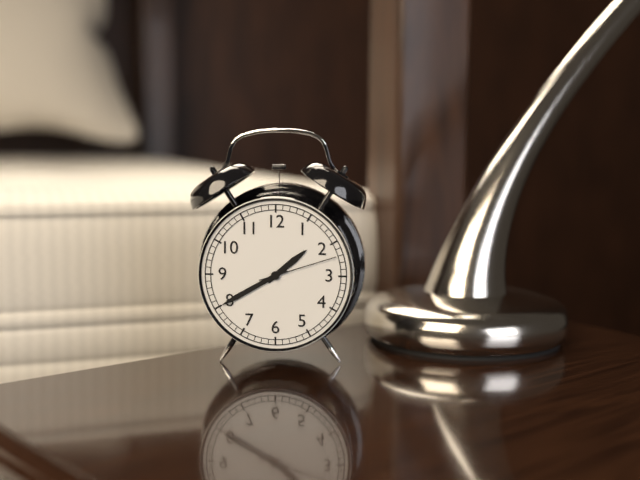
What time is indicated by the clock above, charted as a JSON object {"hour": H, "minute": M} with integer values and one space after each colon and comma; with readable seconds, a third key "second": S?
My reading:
{"hour": 1, "minute": 40, "second": 12}
